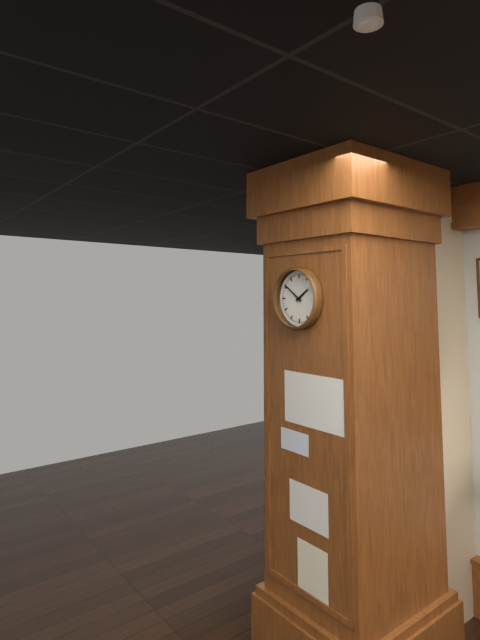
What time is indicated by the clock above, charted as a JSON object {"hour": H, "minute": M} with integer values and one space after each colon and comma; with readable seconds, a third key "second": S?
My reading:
{"hour": 1, "minute": 51}
